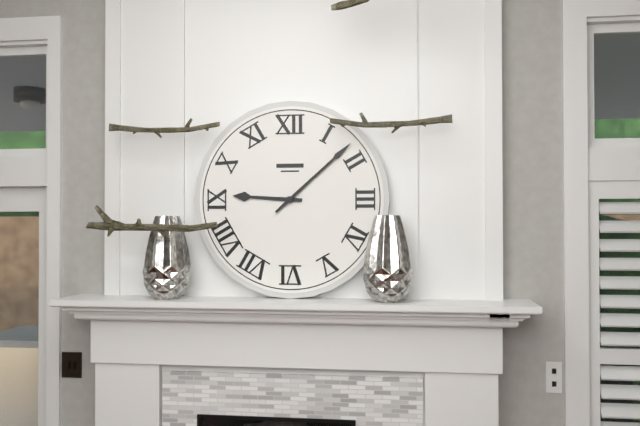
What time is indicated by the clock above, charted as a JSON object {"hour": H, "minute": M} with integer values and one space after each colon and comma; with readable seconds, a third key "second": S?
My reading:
{"hour": 9, "minute": 8}
